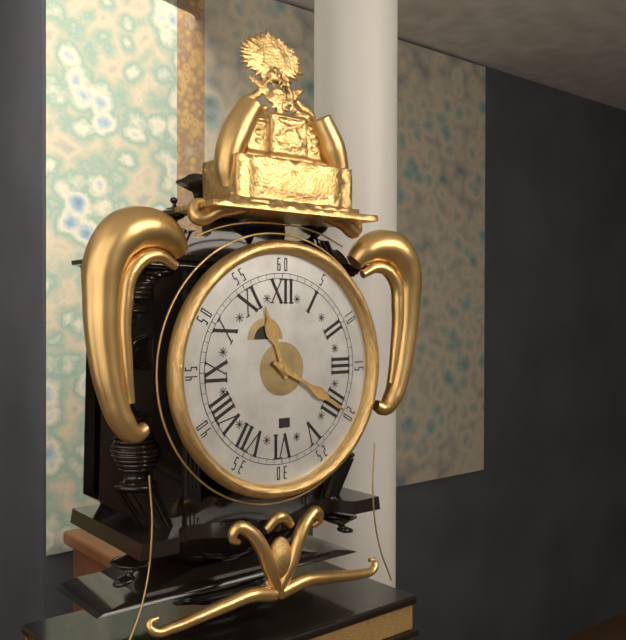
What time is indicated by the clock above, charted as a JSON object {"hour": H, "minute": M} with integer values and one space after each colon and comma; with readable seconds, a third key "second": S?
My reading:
{"hour": 11, "minute": 20}
